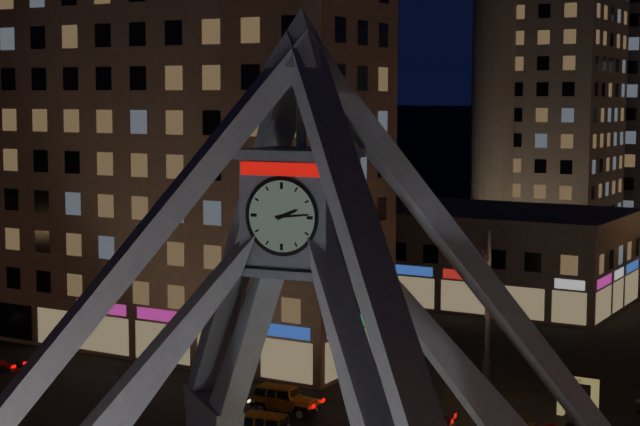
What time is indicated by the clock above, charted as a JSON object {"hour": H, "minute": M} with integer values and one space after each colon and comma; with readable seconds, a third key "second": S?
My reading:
{"hour": 2, "minute": 14}
